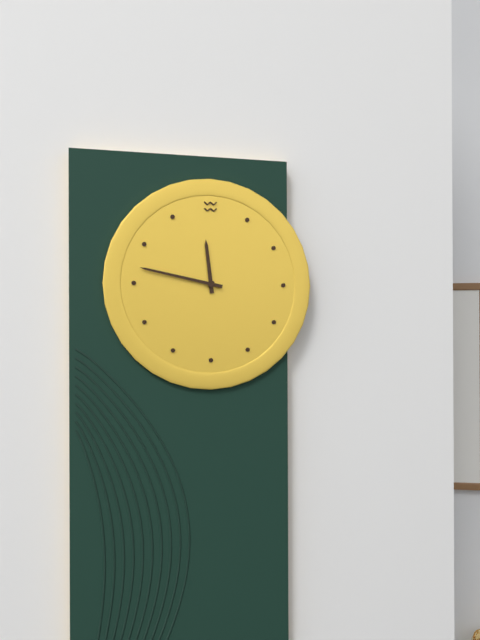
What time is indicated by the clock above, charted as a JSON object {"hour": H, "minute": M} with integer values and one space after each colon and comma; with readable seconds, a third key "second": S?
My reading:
{"hour": 11, "minute": 47}
